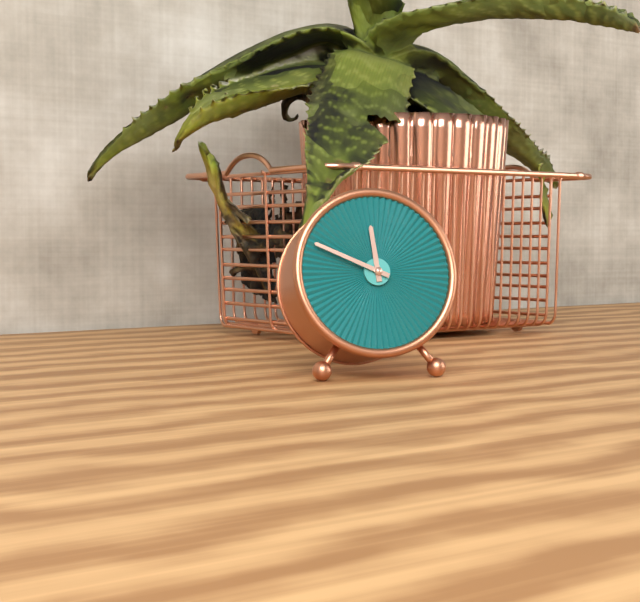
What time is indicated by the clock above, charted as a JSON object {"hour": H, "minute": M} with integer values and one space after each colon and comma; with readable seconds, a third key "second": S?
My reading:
{"hour": 11, "minute": 49}
